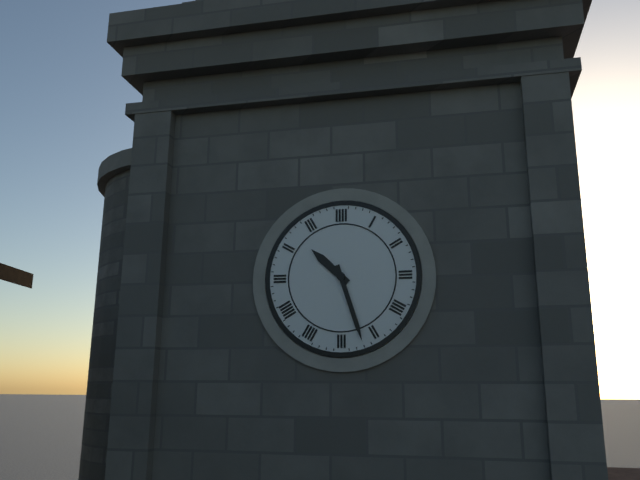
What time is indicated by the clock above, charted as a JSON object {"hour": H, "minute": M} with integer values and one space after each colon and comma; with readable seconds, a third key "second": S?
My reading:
{"hour": 10, "minute": 27}
